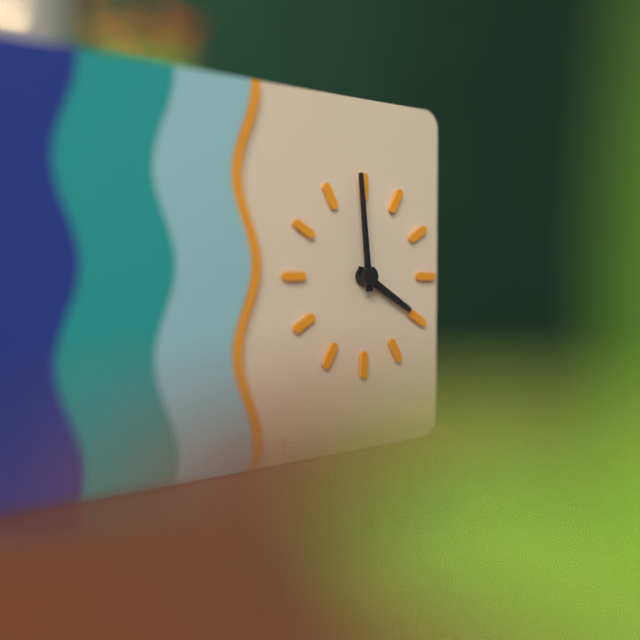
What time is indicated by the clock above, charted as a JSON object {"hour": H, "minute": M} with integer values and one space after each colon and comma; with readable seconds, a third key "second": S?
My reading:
{"hour": 3, "minute": 59}
